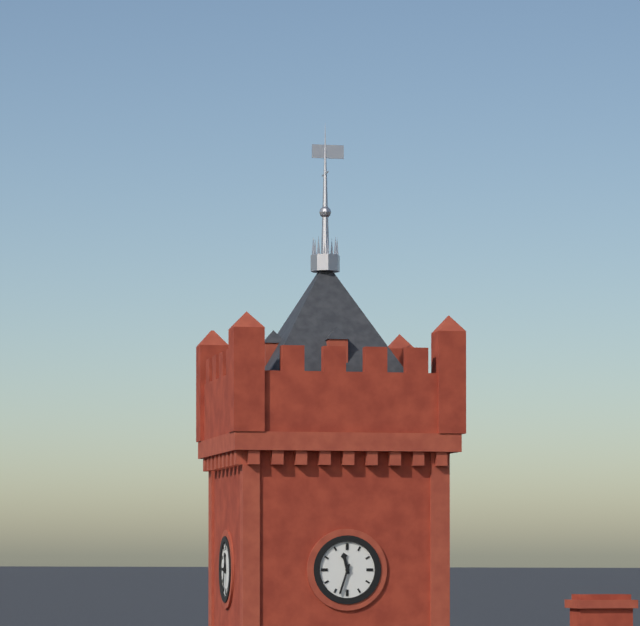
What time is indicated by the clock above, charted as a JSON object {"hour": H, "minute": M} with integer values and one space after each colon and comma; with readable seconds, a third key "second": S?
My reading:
{"hour": 11, "minute": 33}
